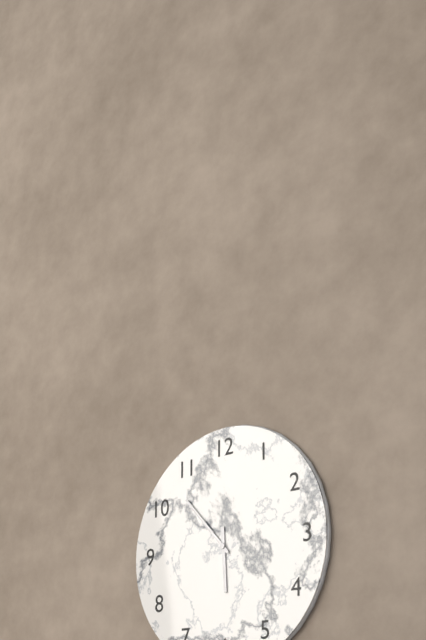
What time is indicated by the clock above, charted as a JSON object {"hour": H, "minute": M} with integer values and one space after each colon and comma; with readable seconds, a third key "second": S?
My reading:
{"hour": 5, "minute": 53}
